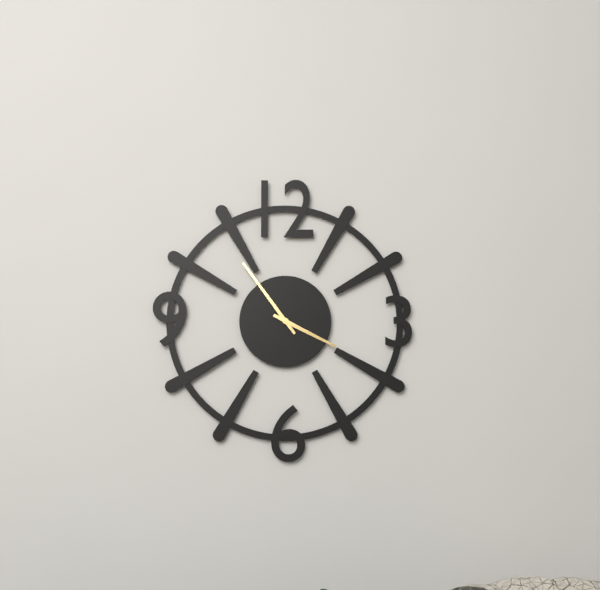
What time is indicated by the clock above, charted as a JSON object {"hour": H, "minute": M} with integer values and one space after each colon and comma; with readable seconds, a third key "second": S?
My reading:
{"hour": 3, "minute": 54}
